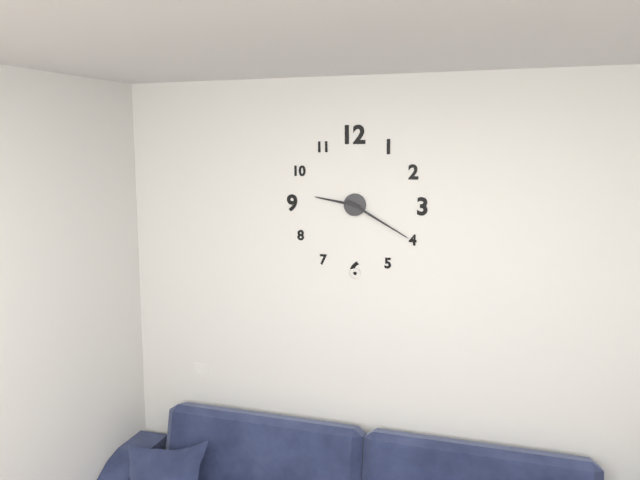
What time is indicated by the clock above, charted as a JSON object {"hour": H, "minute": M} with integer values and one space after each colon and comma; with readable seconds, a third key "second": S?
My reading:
{"hour": 9, "minute": 20}
